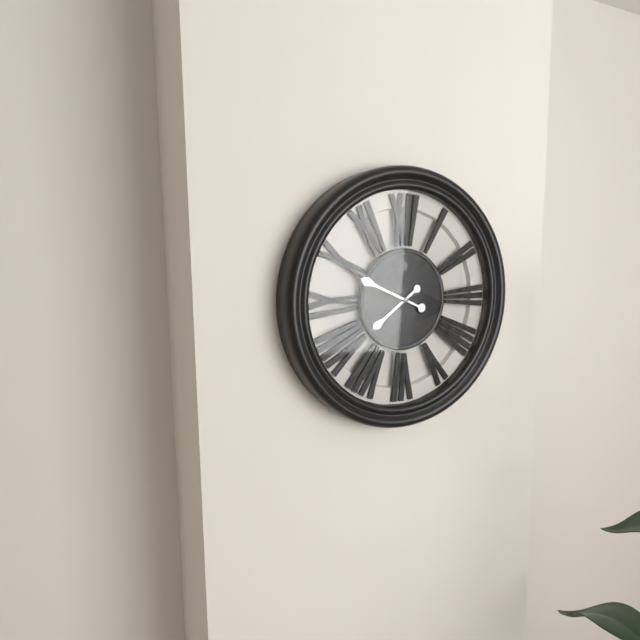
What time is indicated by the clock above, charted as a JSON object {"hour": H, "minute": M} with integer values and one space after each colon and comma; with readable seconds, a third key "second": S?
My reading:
{"hour": 7, "minute": 49}
